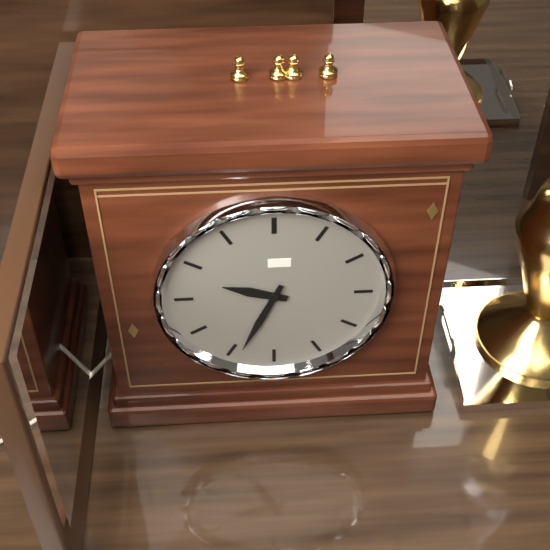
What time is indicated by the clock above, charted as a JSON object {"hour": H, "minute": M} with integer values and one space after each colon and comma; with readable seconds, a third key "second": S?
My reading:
{"hour": 9, "minute": 34}
